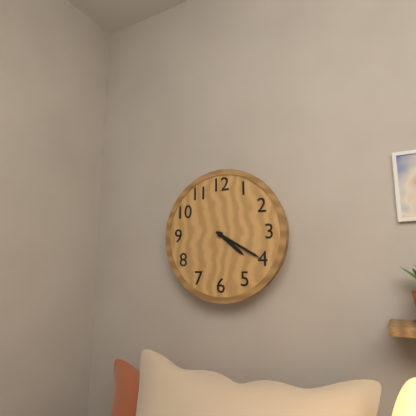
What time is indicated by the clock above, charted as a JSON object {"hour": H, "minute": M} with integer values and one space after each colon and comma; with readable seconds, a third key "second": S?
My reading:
{"hour": 4, "minute": 20}
